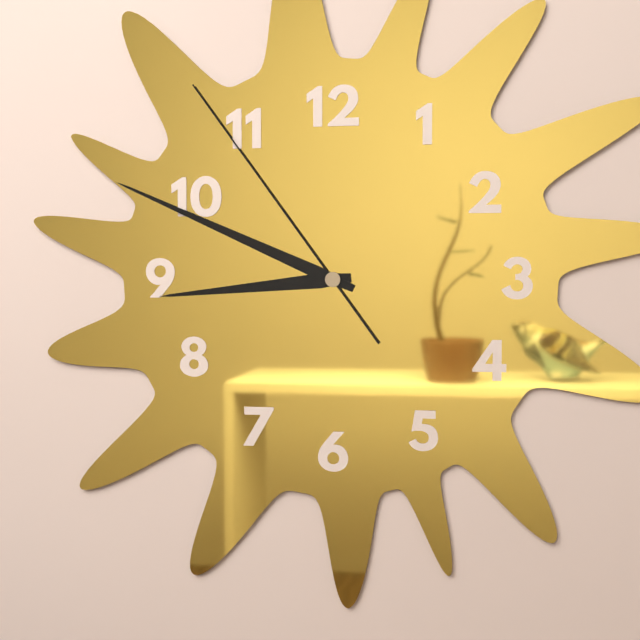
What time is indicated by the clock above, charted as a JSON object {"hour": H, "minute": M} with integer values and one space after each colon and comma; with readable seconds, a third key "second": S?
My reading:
{"hour": 8, "minute": 49, "second": 54}
